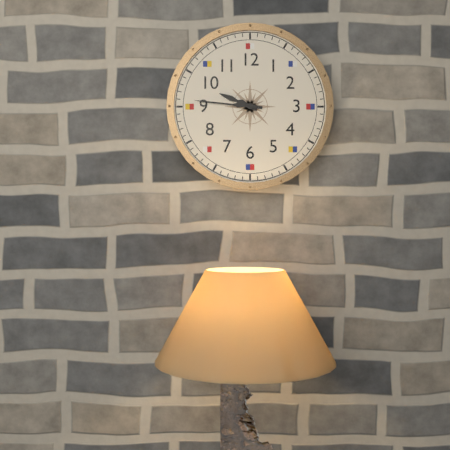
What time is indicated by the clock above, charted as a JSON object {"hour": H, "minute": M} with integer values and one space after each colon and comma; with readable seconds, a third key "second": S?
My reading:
{"hour": 9, "minute": 46}
